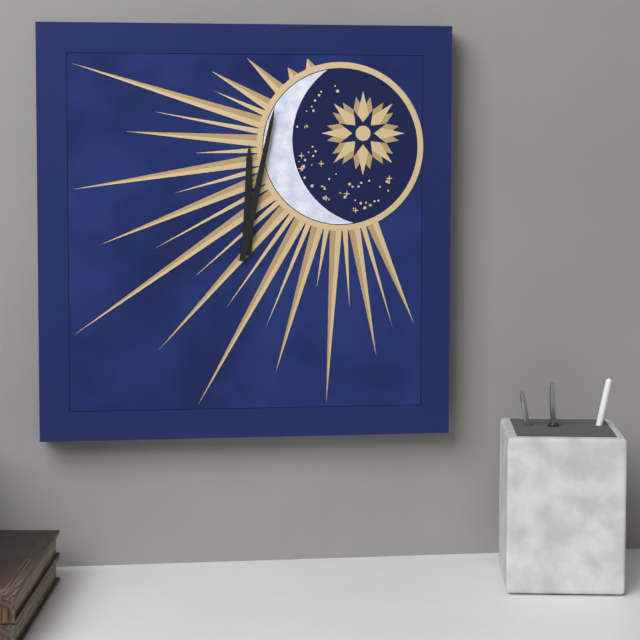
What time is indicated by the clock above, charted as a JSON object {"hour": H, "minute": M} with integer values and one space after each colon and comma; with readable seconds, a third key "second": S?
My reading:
{"hour": 12, "minute": 2}
